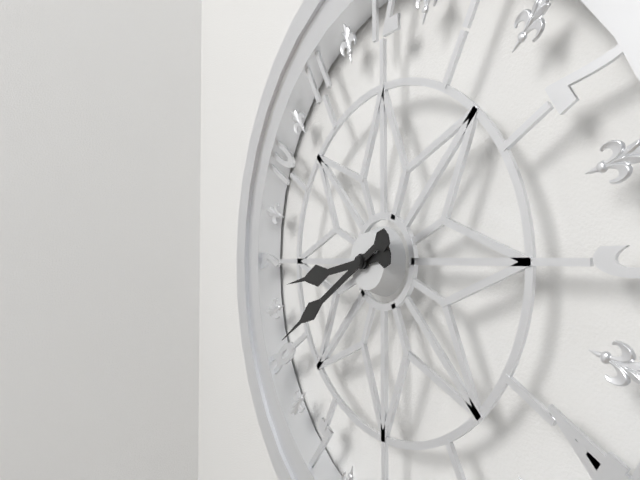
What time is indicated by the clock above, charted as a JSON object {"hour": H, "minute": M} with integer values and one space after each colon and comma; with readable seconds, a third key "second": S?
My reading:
{"hour": 8, "minute": 40}
